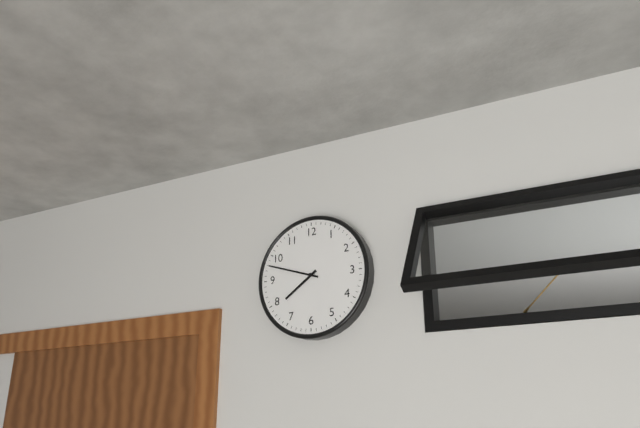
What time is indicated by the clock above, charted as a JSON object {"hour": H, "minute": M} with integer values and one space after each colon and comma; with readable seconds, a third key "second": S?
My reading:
{"hour": 7, "minute": 48}
